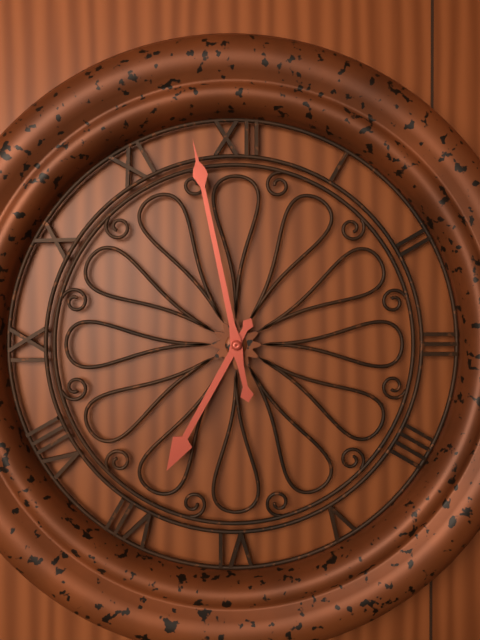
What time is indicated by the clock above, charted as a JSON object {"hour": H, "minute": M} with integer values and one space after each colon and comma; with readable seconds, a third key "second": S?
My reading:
{"hour": 6, "minute": 58}
